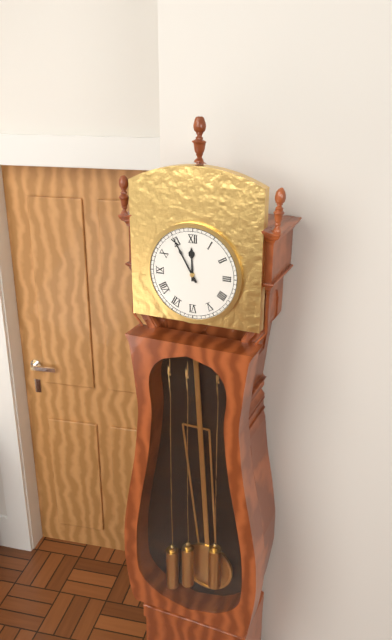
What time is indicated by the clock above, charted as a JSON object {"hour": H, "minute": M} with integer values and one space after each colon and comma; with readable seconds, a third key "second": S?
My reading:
{"hour": 11, "minute": 55}
